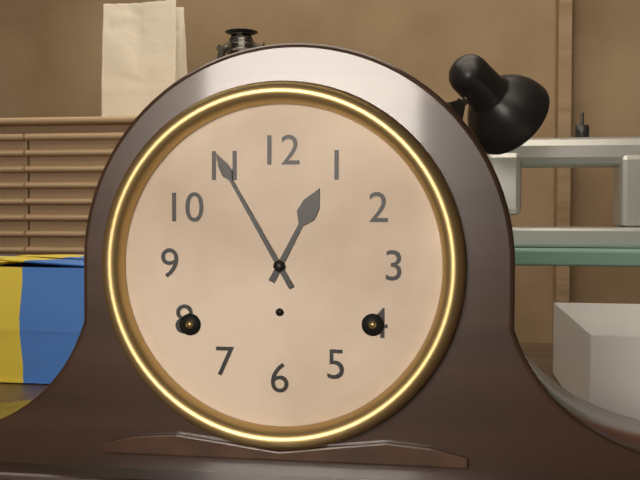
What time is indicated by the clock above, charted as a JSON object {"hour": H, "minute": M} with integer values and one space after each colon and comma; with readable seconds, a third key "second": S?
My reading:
{"hour": 12, "minute": 55}
